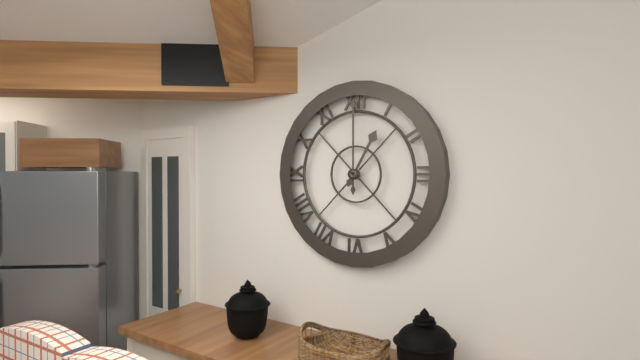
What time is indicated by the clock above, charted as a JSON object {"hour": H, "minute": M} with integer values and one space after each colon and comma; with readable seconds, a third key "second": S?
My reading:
{"hour": 1, "minute": 0}
